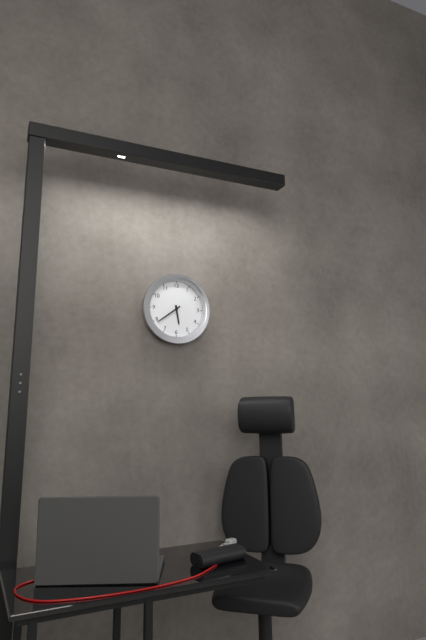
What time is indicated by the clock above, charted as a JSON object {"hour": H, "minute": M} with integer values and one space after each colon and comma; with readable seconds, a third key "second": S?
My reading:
{"hour": 5, "minute": 39}
